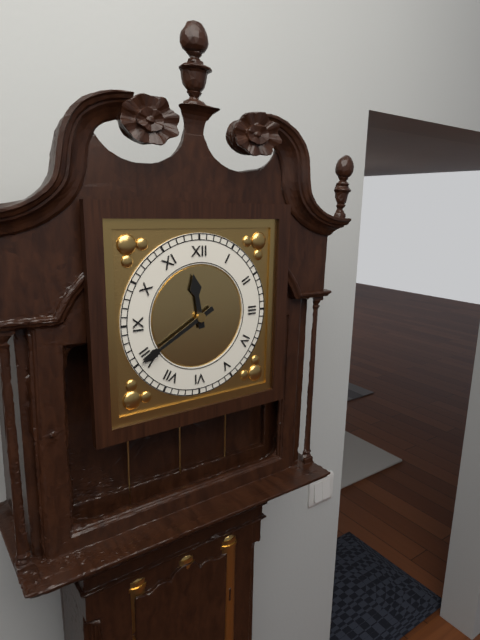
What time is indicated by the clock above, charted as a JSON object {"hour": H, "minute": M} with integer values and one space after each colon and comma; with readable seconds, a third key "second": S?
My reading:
{"hour": 11, "minute": 40}
